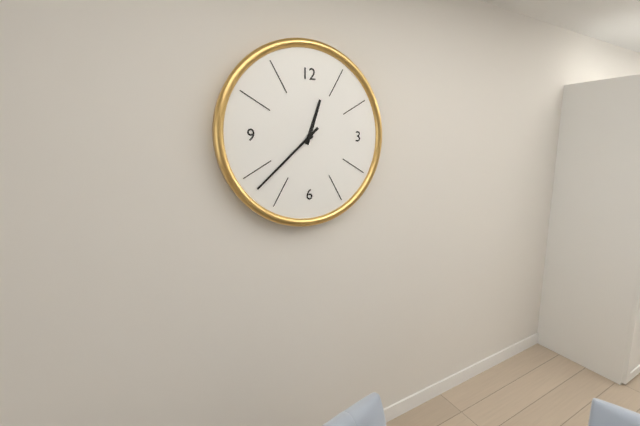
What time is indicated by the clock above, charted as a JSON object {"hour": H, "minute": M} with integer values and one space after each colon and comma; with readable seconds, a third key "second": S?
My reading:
{"hour": 12, "minute": 38}
